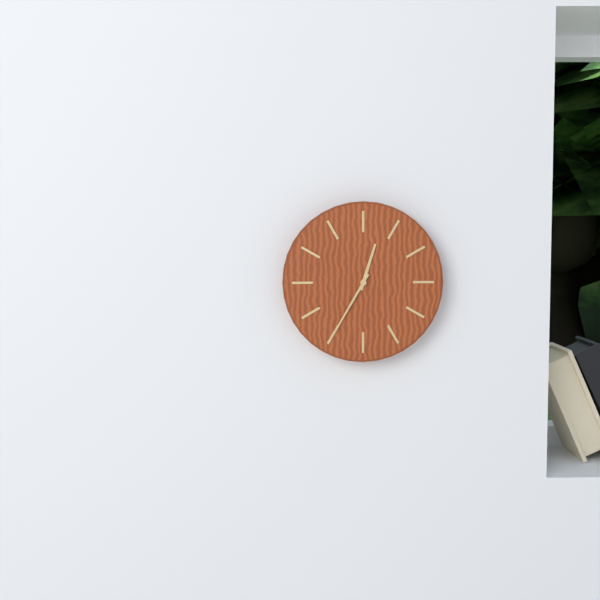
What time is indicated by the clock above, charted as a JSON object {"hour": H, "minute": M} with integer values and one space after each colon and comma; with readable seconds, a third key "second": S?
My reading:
{"hour": 12, "minute": 35}
